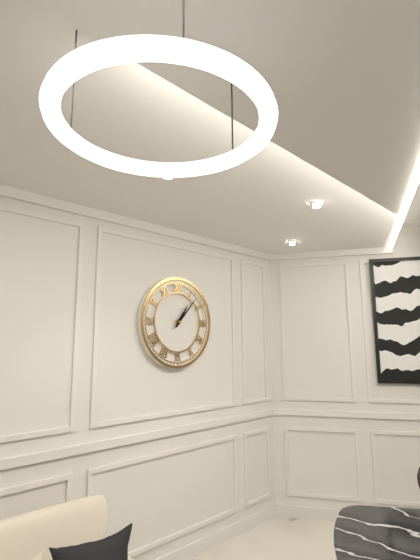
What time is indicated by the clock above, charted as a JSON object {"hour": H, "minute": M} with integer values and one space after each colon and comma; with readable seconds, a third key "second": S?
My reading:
{"hour": 1, "minute": 7}
